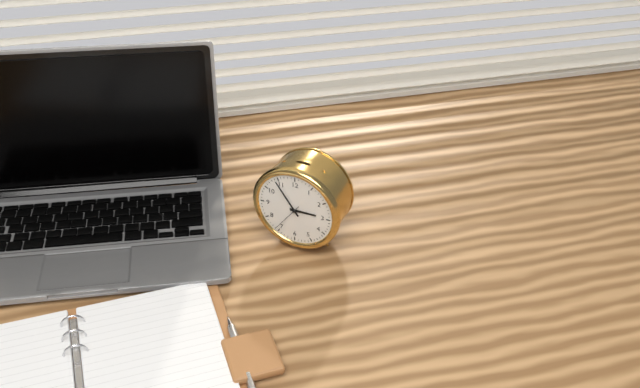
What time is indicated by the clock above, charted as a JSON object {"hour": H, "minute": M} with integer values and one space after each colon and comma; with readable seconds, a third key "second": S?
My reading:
{"hour": 2, "minute": 54}
